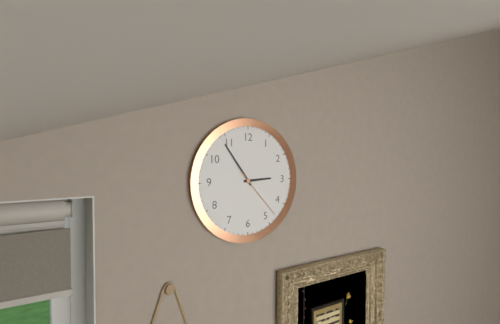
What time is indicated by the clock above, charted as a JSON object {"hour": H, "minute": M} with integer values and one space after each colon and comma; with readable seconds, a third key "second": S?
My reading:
{"hour": 2, "minute": 54, "second": 23}
